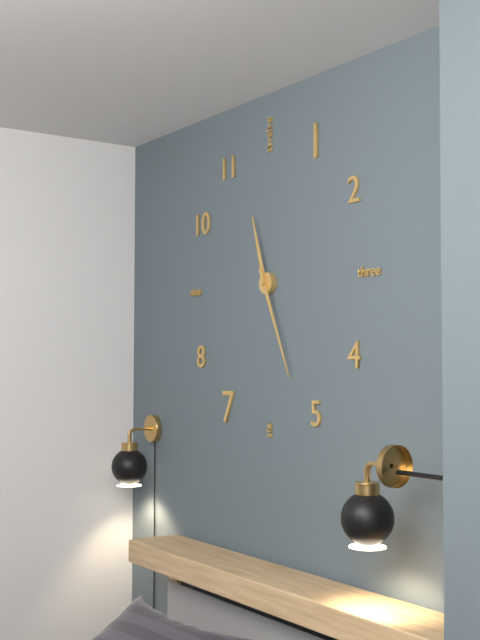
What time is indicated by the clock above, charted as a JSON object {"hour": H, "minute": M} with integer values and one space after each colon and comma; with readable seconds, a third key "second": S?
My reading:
{"hour": 11, "minute": 26}
